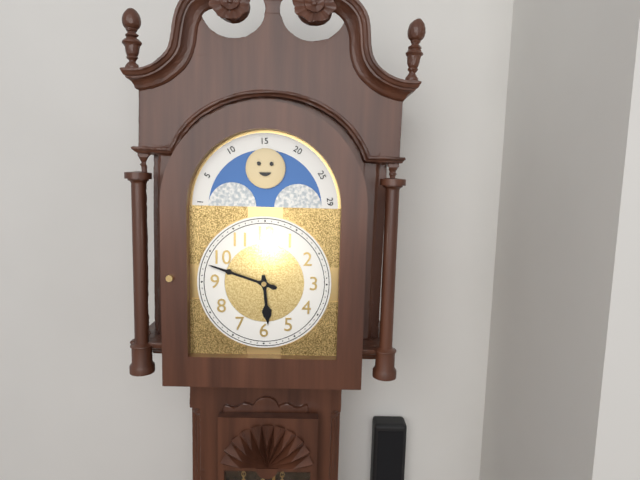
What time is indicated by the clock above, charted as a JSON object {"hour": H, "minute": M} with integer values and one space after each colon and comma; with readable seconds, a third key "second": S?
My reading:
{"hour": 5, "minute": 48}
